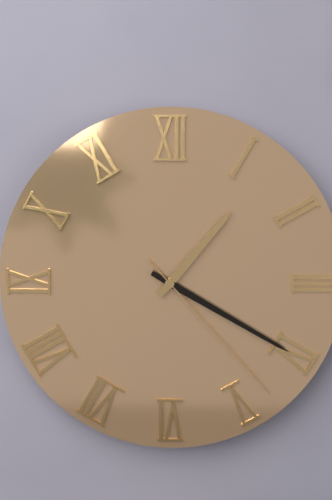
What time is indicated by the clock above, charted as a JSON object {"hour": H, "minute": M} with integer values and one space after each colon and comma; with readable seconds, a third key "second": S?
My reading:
{"hour": 1, "minute": 20, "second": 23}
